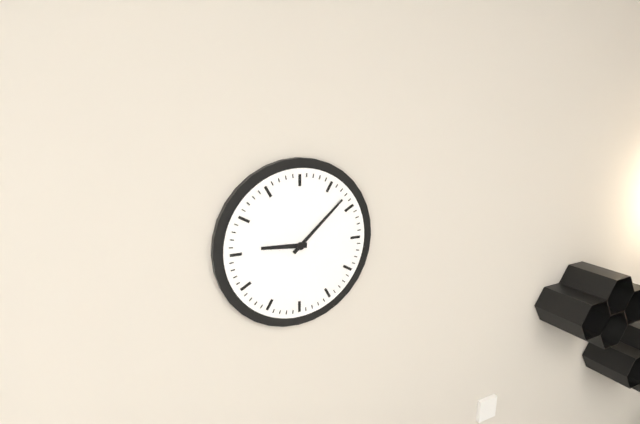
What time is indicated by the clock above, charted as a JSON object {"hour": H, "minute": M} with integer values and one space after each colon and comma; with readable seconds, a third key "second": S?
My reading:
{"hour": 9, "minute": 8}
